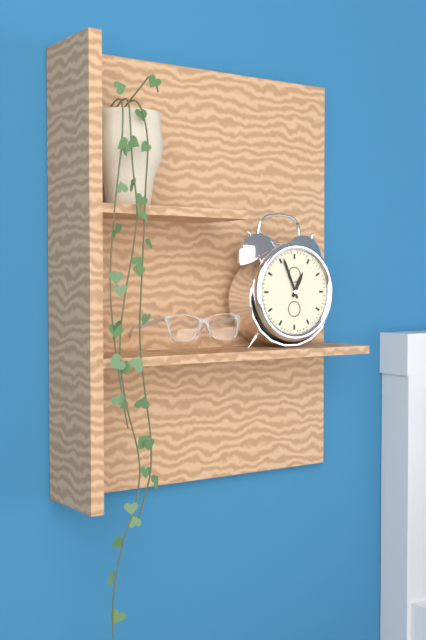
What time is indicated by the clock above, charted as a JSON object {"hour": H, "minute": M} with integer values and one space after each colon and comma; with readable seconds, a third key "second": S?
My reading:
{"hour": 12, "minute": 56}
